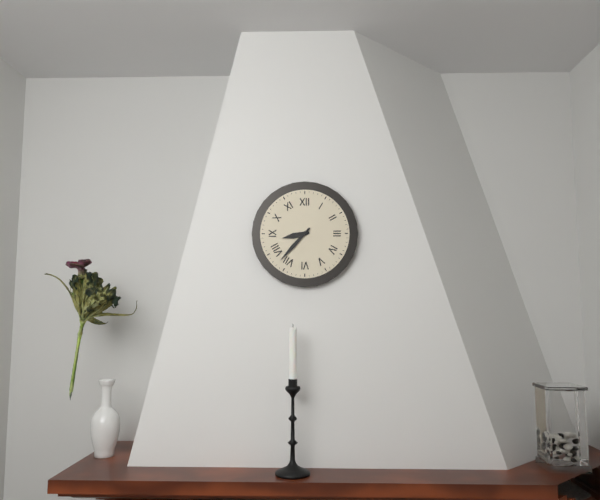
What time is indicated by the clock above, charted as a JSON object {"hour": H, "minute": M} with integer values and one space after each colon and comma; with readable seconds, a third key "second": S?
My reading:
{"hour": 8, "minute": 37}
